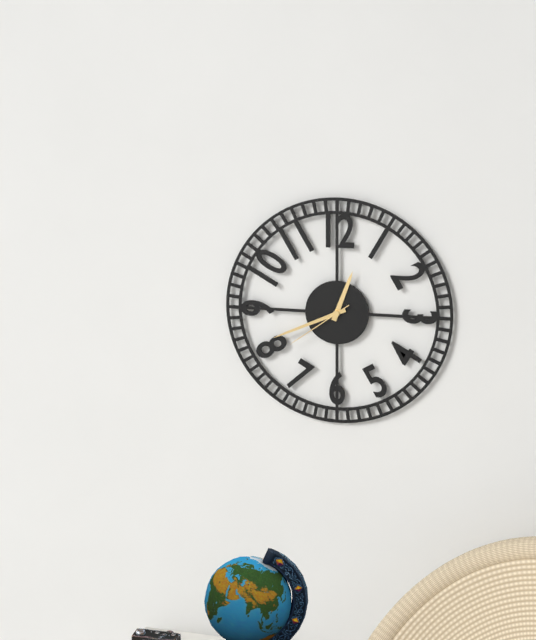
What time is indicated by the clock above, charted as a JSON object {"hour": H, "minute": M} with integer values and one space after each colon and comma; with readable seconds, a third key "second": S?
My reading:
{"hour": 12, "minute": 41, "second": 39}
